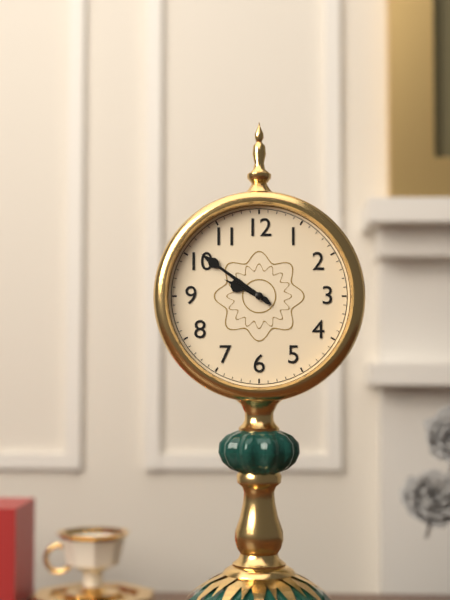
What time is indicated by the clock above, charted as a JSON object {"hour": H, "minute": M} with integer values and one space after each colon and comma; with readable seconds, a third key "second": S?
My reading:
{"hour": 9, "minute": 51}
